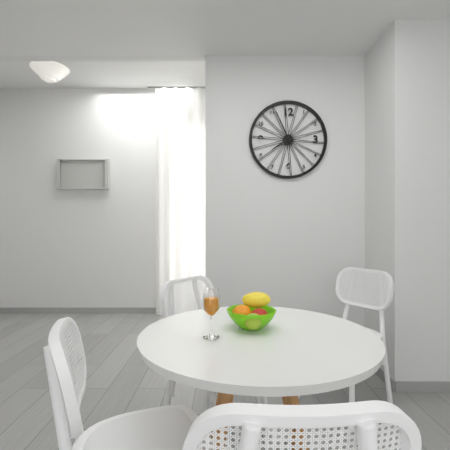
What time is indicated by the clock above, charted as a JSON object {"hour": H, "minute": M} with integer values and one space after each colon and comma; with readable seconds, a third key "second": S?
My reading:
{"hour": 7, "minute": 56}
